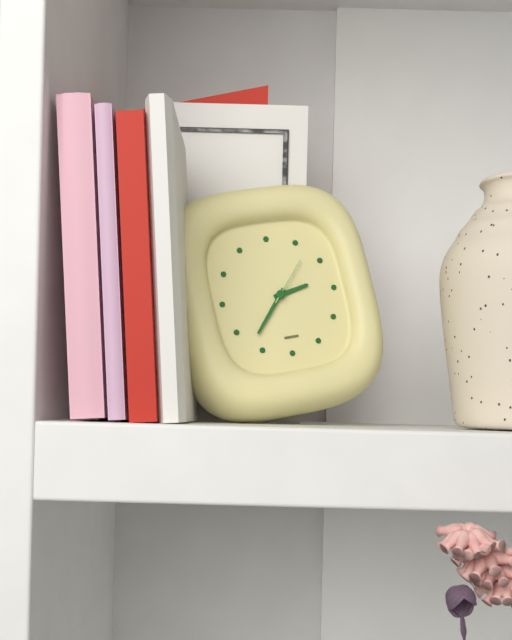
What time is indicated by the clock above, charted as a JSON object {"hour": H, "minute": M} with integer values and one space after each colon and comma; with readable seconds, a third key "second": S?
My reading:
{"hour": 2, "minute": 37, "second": 7}
